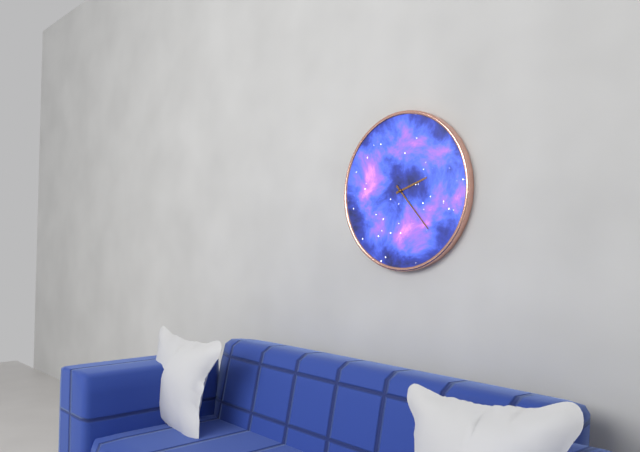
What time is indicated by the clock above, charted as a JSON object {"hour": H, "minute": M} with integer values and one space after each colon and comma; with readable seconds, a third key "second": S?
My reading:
{"hour": 2, "minute": 23}
